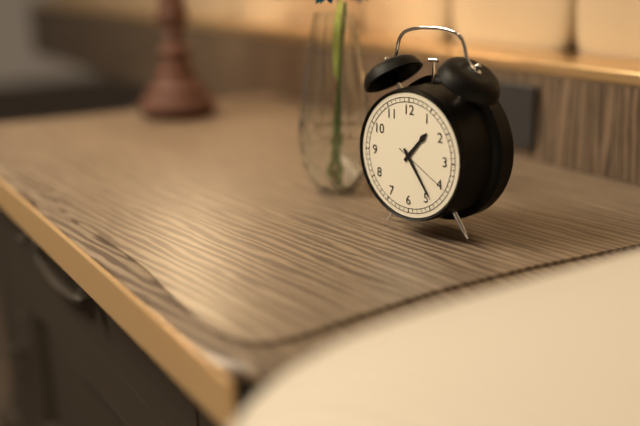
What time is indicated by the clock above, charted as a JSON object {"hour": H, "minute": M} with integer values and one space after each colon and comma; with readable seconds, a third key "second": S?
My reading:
{"hour": 1, "minute": 24, "second": 20}
